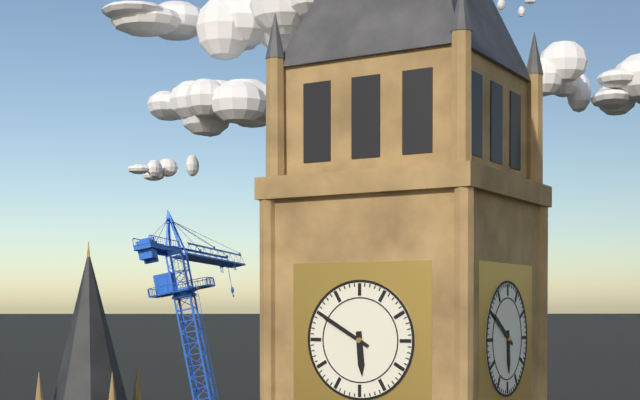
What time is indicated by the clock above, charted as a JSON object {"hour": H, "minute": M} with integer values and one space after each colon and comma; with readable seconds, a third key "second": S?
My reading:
{"hour": 5, "minute": 50}
